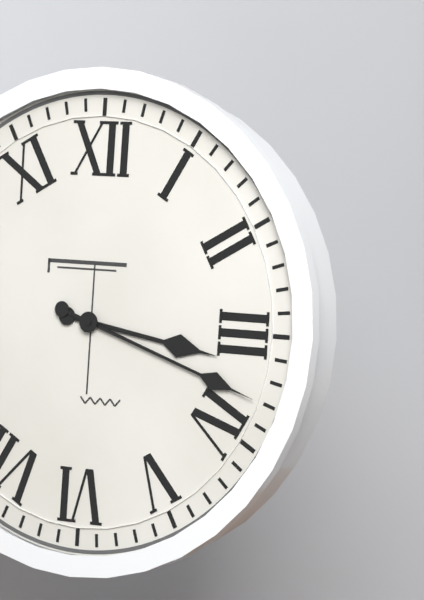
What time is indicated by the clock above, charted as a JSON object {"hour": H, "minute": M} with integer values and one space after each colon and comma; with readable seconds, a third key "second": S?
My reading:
{"hour": 3, "minute": 18}
